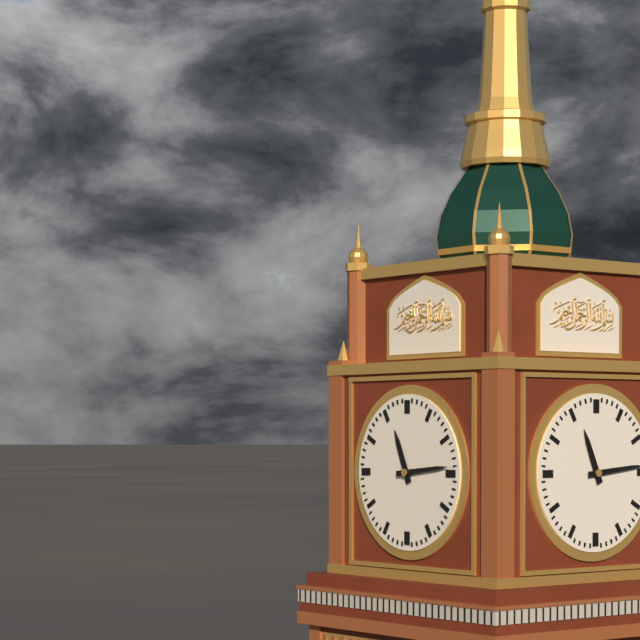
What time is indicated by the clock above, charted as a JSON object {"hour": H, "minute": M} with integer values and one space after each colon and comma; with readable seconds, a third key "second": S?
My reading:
{"hour": 11, "minute": 14}
